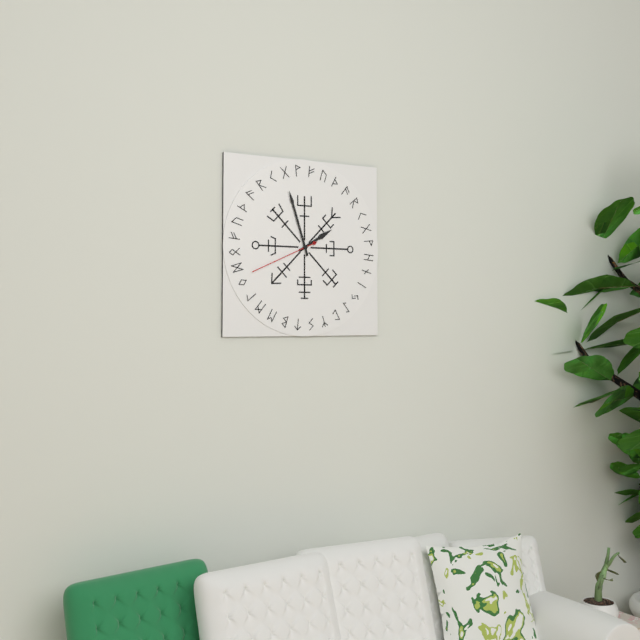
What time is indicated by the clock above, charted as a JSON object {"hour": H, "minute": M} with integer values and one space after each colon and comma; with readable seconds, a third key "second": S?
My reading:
{"hour": 1, "minute": 57, "second": 41}
